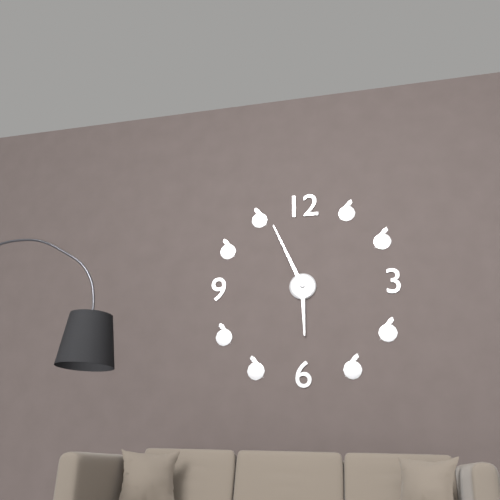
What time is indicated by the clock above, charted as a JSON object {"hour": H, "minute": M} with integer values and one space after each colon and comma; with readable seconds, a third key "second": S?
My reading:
{"hour": 5, "minute": 56}
